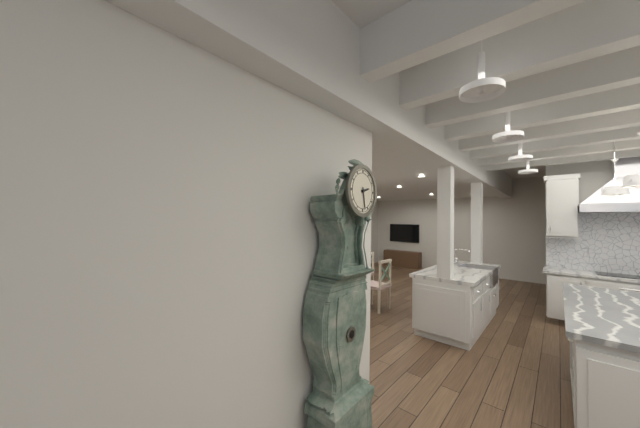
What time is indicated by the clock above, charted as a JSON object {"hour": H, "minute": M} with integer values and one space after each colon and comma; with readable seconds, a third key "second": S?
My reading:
{"hour": 2, "minute": 28}
